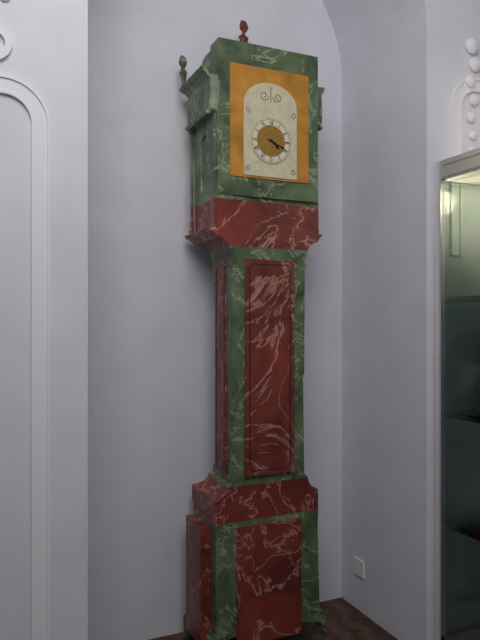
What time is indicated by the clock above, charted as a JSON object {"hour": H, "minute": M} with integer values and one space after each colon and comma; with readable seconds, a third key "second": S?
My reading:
{"hour": 4, "minute": 19}
